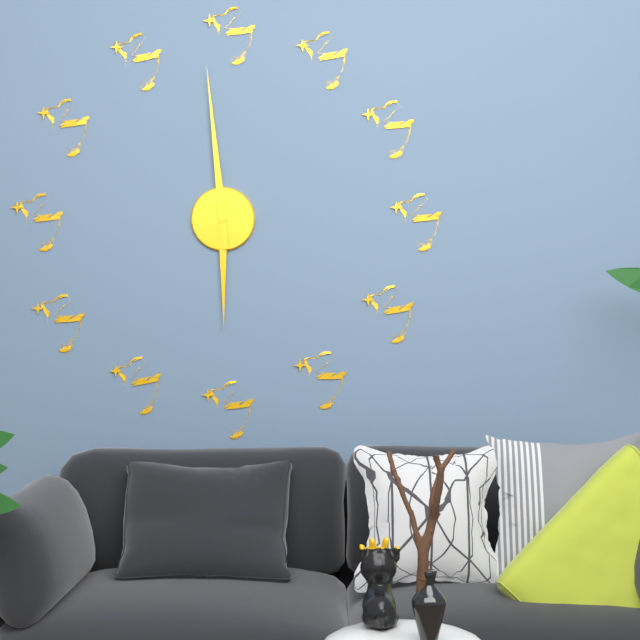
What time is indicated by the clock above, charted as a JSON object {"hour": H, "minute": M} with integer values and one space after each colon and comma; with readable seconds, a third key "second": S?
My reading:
{"hour": 5, "minute": 59}
